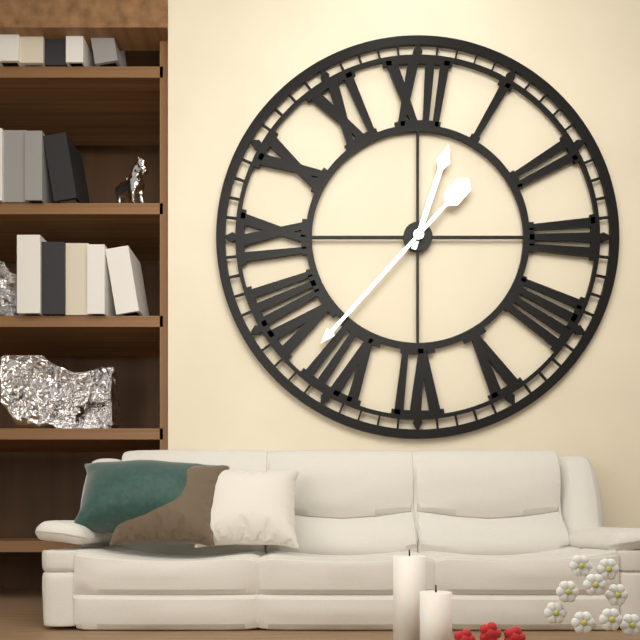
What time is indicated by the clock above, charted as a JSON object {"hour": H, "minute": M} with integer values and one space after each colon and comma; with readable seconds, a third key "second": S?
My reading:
{"hour": 12, "minute": 37}
